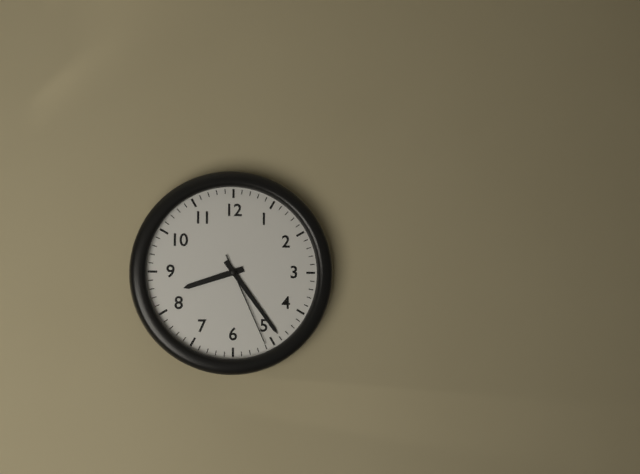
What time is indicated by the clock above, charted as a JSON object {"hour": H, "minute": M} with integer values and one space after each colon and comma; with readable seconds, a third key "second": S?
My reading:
{"hour": 8, "minute": 24, "second": 26}
